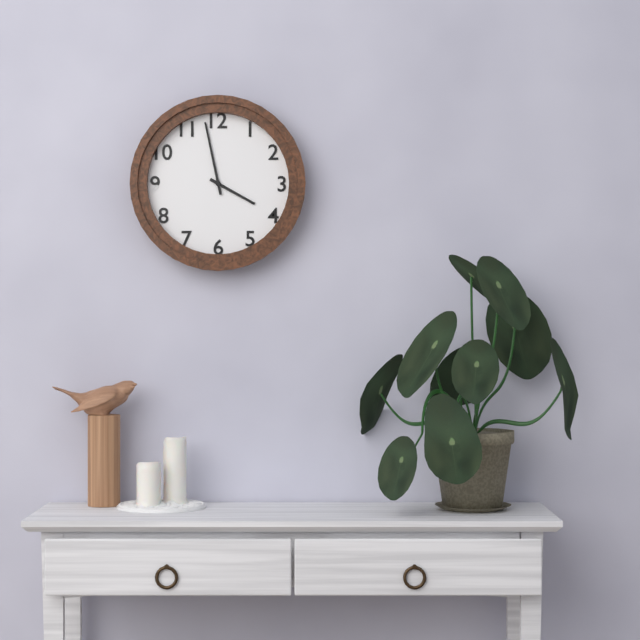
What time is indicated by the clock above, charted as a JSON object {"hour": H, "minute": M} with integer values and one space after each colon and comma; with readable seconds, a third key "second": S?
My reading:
{"hour": 3, "minute": 58}
